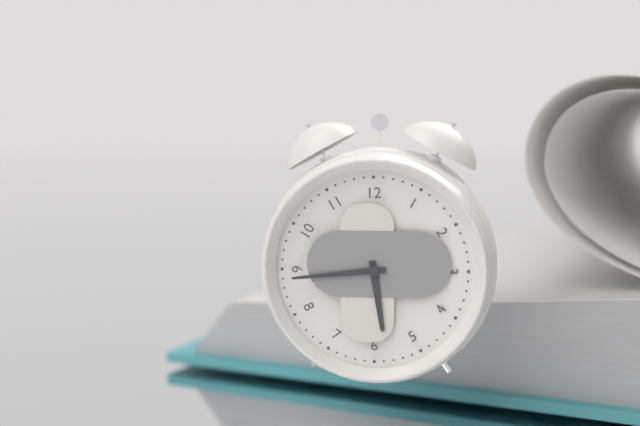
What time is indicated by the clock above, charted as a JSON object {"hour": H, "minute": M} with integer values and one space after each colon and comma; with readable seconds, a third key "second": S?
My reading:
{"hour": 5, "minute": 44}
